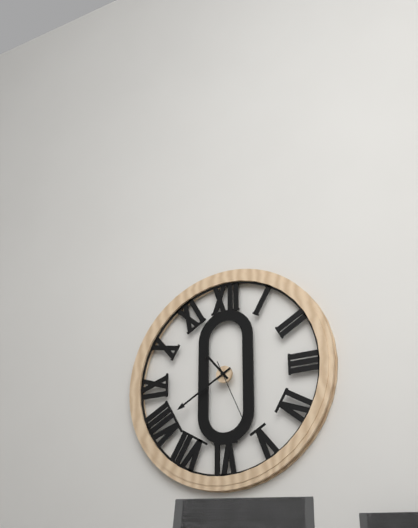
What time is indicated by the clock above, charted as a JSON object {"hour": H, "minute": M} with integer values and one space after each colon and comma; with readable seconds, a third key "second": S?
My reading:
{"hour": 10, "minute": 40, "second": 26}
